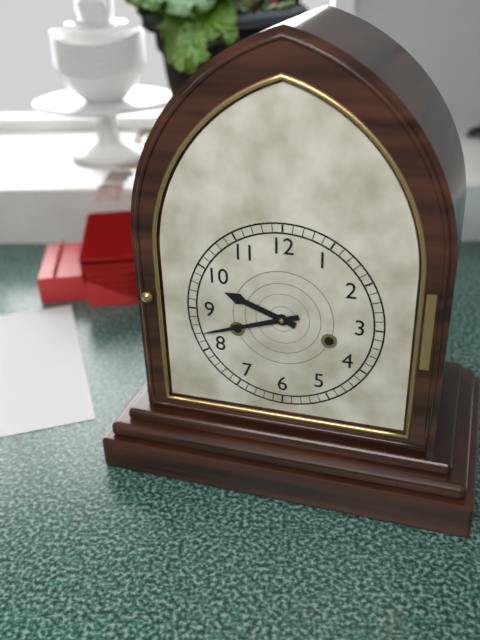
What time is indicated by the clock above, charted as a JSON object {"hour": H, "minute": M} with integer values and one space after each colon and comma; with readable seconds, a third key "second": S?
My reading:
{"hour": 9, "minute": 42}
